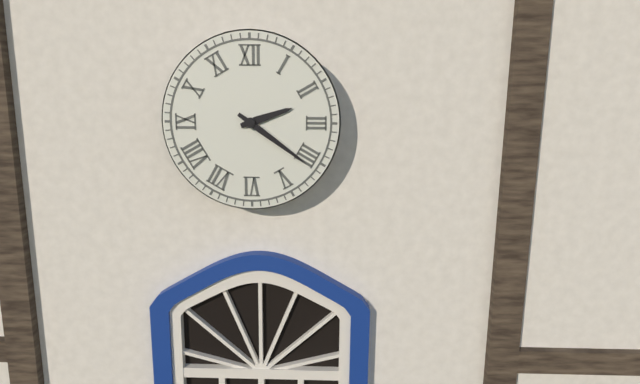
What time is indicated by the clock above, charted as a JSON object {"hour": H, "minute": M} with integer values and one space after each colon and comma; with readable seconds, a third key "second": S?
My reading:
{"hour": 2, "minute": 21}
